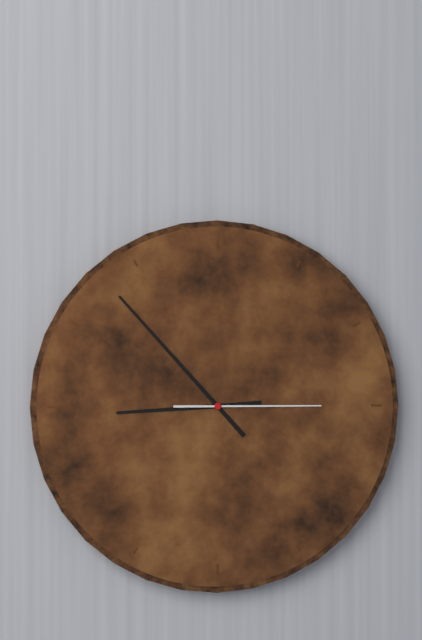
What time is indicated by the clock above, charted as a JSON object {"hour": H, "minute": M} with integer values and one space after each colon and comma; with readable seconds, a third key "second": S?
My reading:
{"hour": 8, "minute": 53, "second": 15}
